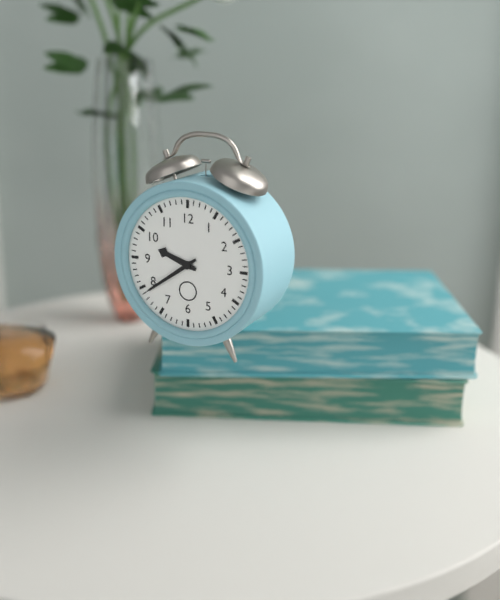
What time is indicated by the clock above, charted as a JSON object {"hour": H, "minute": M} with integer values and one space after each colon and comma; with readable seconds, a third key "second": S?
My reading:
{"hour": 9, "minute": 39}
